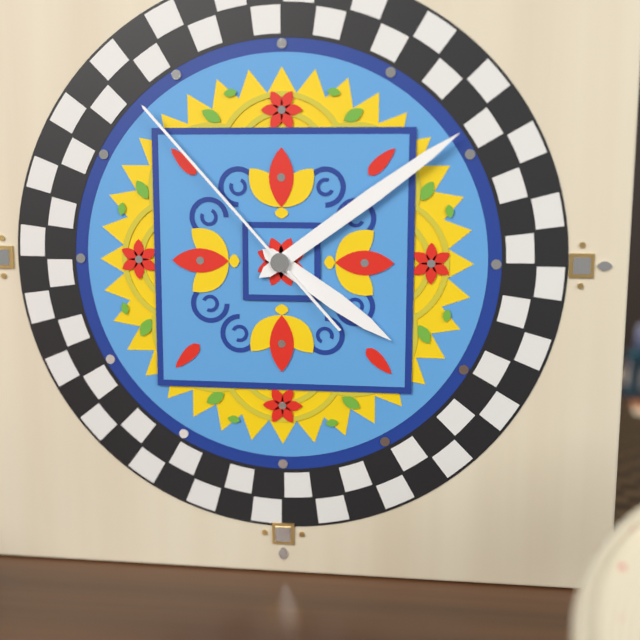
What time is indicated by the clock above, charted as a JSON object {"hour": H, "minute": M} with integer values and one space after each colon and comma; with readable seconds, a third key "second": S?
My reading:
{"hour": 4, "minute": 9, "second": 53}
